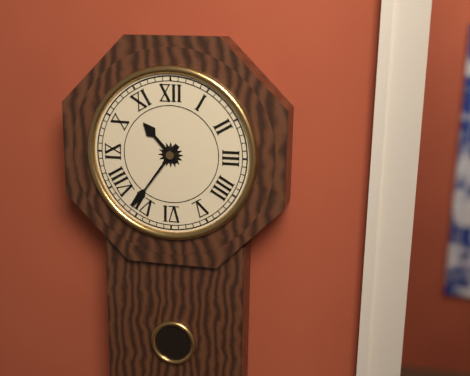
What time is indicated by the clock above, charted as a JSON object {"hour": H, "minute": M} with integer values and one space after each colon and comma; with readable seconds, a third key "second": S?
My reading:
{"hour": 10, "minute": 36}
